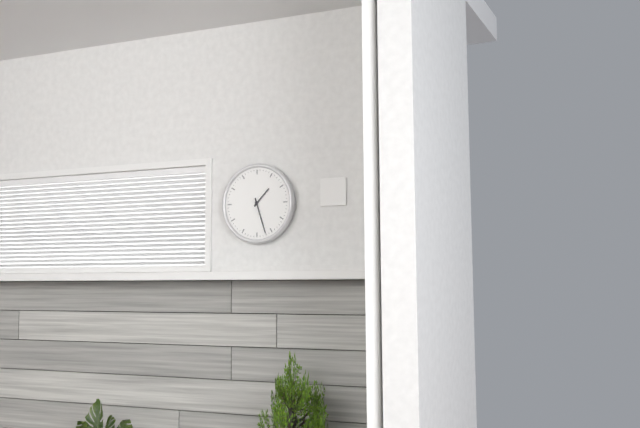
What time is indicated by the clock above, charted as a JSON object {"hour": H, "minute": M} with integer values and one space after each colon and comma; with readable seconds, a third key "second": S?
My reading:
{"hour": 1, "minute": 27}
